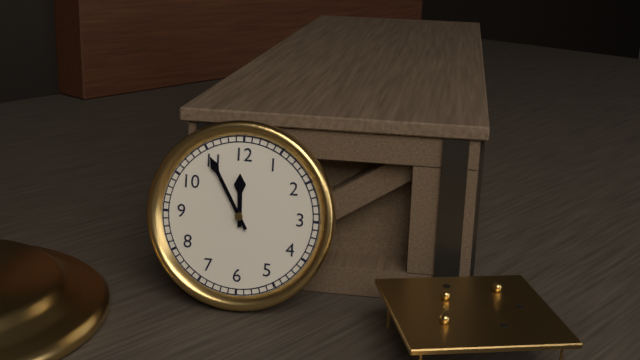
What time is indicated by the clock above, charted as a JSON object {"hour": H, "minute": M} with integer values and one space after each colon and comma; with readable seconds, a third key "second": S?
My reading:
{"hour": 11, "minute": 55}
